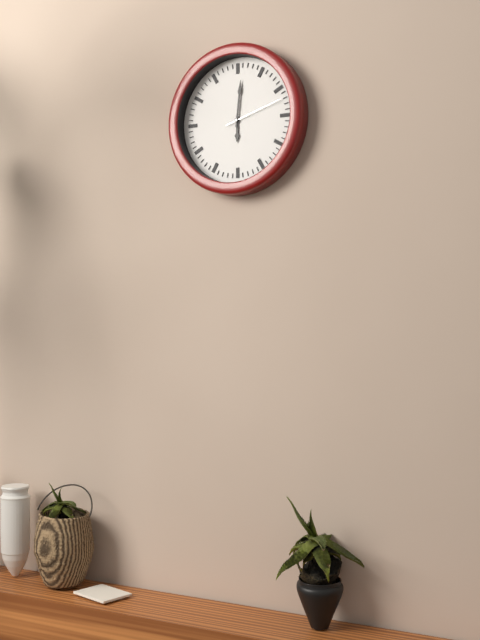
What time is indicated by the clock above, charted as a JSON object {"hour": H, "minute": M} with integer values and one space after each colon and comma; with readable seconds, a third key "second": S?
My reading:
{"hour": 6, "minute": 1, "second": 12}
